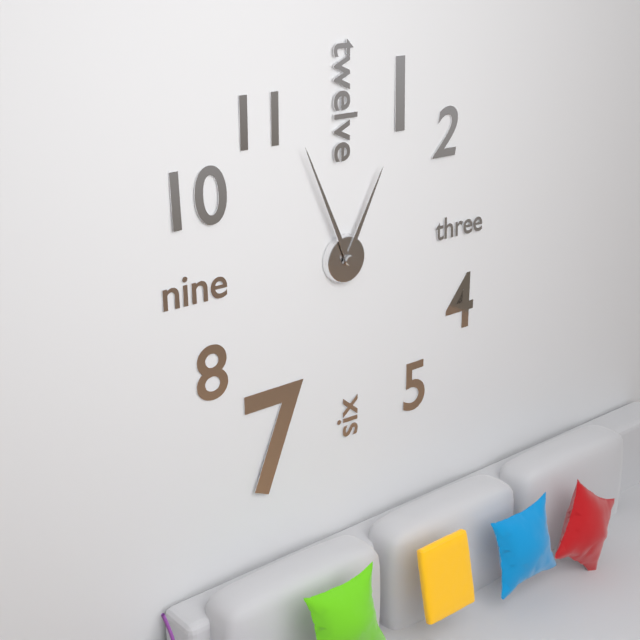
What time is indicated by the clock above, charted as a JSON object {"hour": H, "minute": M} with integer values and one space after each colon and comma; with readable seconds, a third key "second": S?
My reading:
{"hour": 12, "minute": 56}
